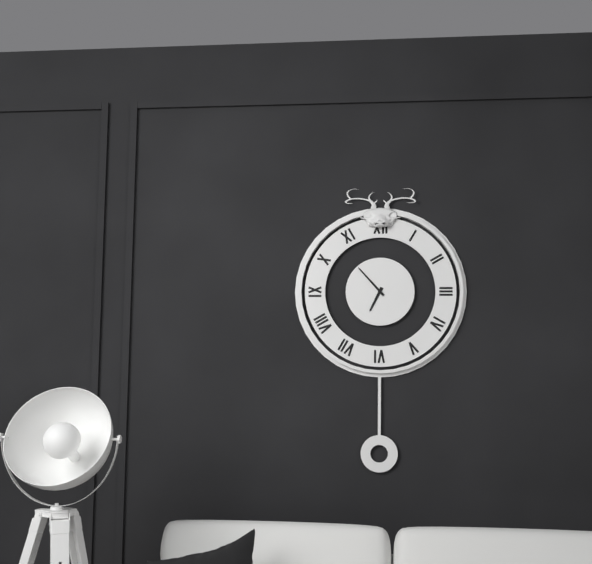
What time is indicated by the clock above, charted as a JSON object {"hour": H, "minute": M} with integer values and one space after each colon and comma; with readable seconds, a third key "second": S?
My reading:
{"hour": 6, "minute": 53}
